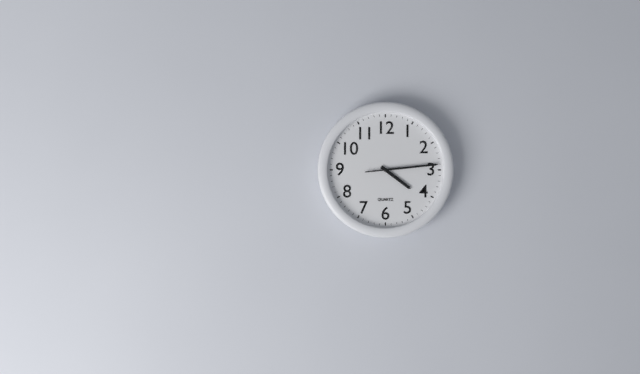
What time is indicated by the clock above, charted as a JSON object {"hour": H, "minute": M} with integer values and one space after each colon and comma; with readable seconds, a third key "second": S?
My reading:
{"hour": 4, "minute": 14}
